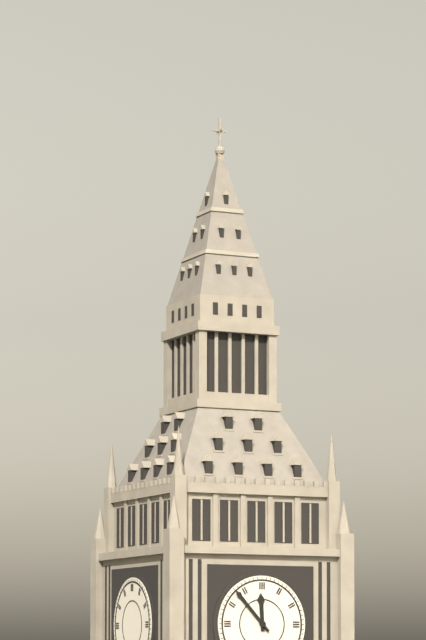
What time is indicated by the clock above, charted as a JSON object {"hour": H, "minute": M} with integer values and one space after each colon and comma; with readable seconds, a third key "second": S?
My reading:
{"hour": 11, "minute": 53}
